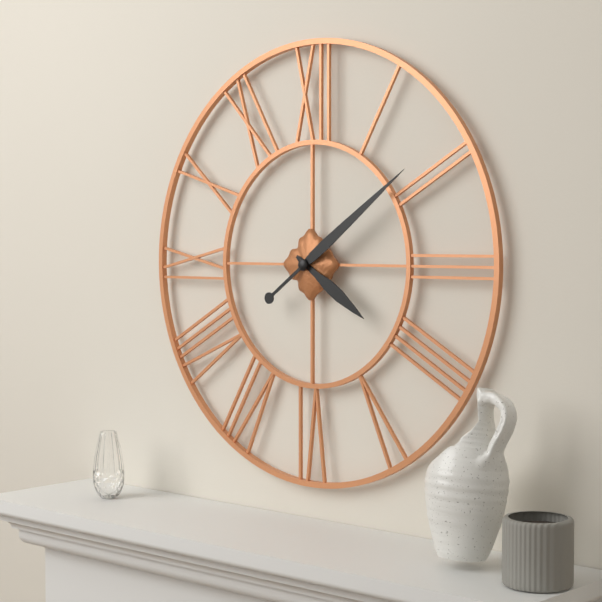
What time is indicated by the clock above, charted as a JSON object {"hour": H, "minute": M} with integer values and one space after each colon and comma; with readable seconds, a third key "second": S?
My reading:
{"hour": 4, "minute": 9}
